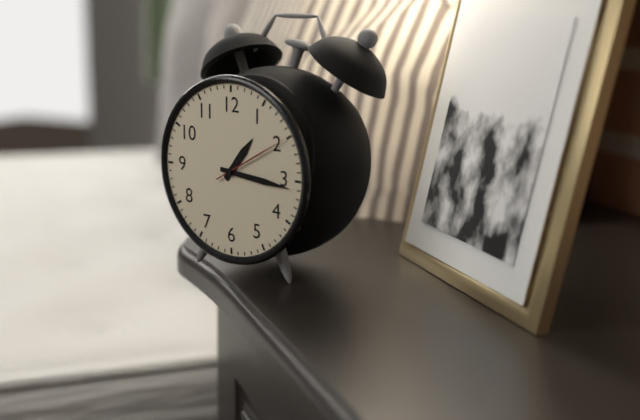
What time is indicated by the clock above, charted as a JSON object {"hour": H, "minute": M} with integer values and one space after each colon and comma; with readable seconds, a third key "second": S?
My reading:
{"hour": 1, "minute": 16, "second": 10}
